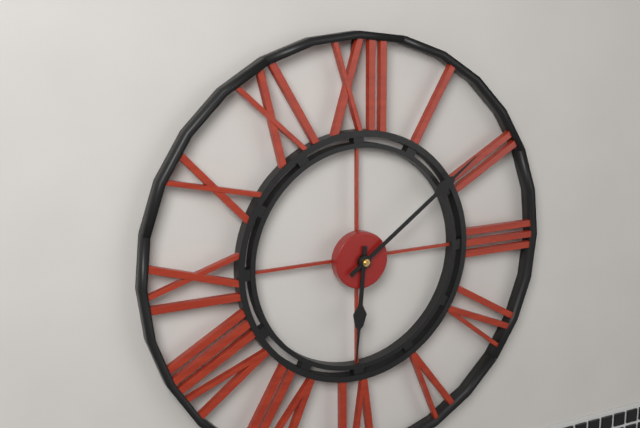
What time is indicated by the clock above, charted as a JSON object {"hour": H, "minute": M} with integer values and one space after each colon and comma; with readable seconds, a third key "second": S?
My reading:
{"hour": 6, "minute": 9}
